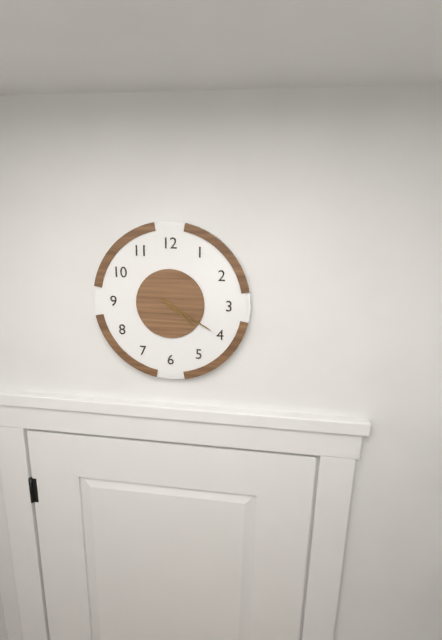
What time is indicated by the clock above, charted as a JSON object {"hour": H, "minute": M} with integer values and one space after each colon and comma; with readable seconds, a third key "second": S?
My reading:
{"hour": 4, "minute": 20}
